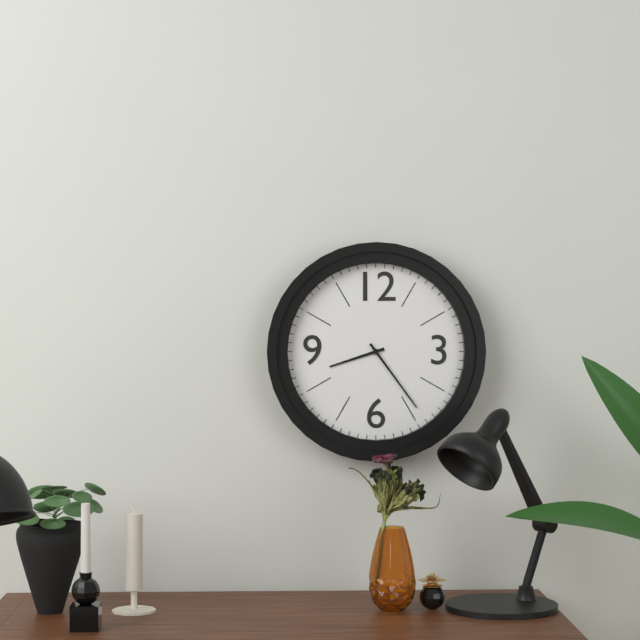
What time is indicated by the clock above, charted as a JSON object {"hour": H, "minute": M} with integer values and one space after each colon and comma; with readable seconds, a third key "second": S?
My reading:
{"hour": 8, "minute": 24}
